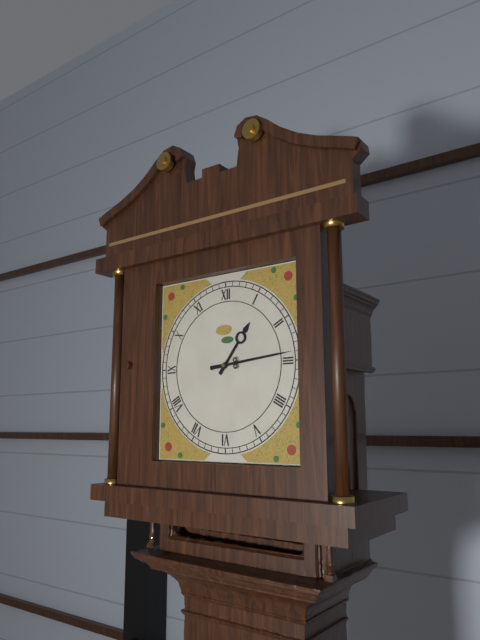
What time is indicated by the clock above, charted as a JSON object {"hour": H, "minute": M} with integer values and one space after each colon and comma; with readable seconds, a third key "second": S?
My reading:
{"hour": 1, "minute": 14}
